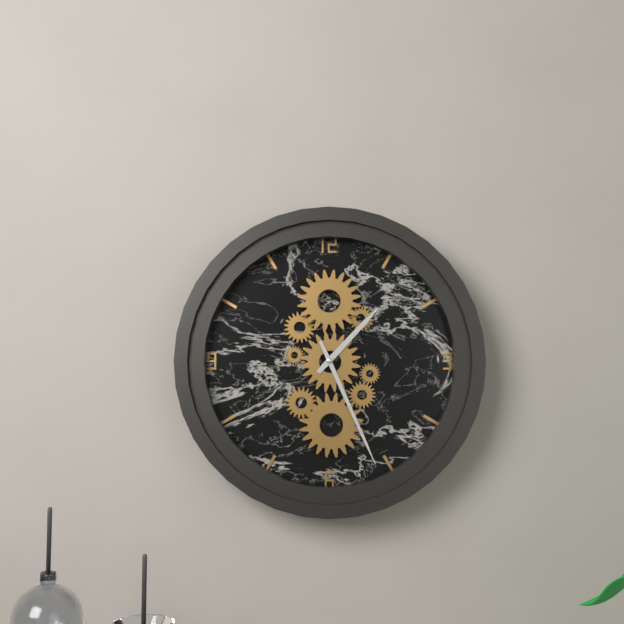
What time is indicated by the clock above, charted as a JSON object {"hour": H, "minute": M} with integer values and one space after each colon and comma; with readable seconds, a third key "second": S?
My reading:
{"hour": 1, "minute": 26}
